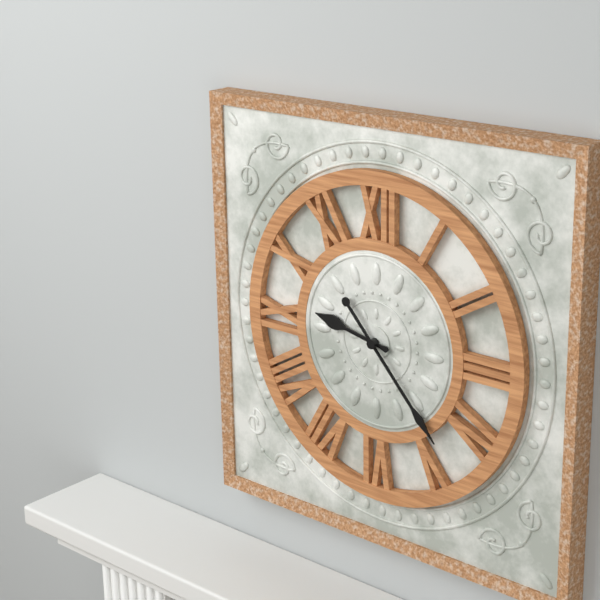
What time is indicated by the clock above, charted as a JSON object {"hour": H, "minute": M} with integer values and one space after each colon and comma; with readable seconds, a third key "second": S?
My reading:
{"hour": 9, "minute": 23}
